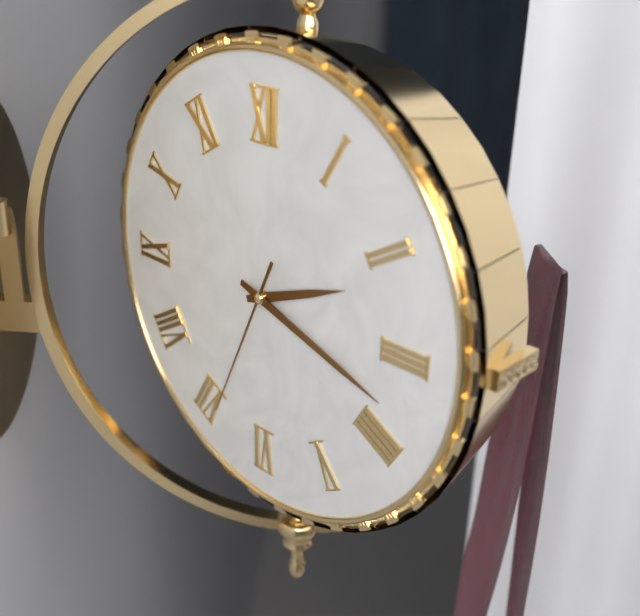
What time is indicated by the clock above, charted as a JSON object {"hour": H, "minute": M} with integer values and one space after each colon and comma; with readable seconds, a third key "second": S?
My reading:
{"hour": 2, "minute": 18, "second": 34}
